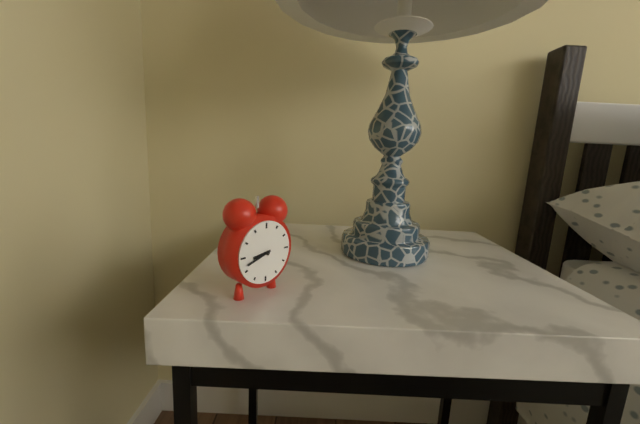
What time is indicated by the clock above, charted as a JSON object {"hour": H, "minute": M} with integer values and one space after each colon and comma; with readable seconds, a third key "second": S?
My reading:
{"hour": 8, "minute": 42}
